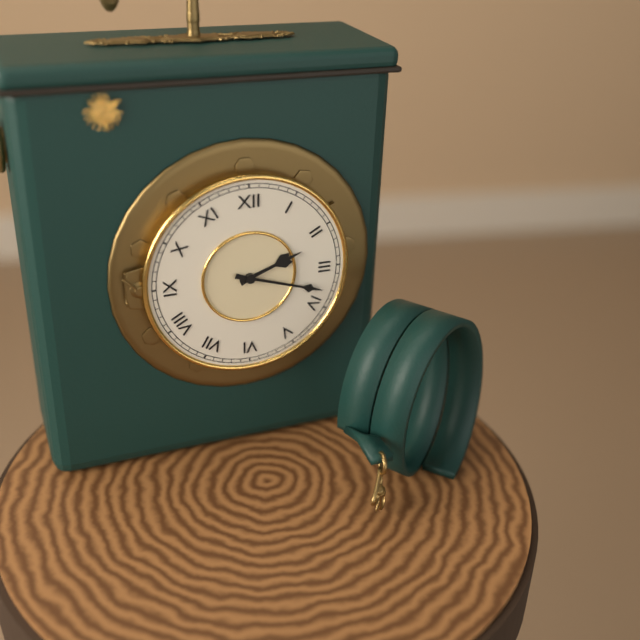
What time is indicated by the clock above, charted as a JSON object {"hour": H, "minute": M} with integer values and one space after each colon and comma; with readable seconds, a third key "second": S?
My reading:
{"hour": 2, "minute": 18}
